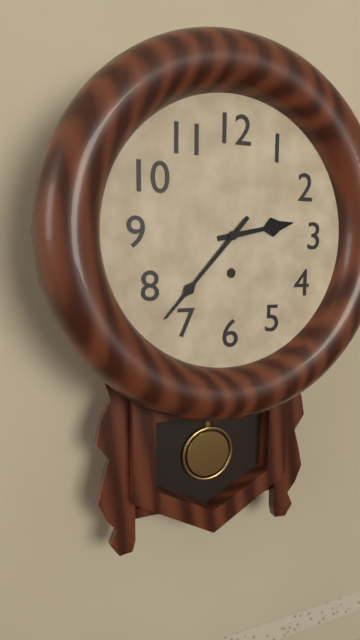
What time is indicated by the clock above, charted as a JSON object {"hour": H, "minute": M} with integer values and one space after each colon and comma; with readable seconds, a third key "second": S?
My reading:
{"hour": 2, "minute": 37}
